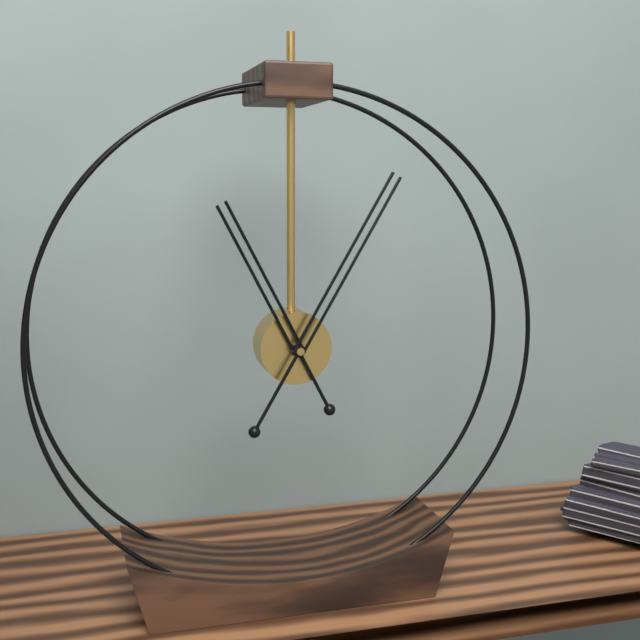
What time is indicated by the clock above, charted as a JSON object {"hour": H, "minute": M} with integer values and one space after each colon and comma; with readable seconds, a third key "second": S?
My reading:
{"hour": 11, "minute": 5}
